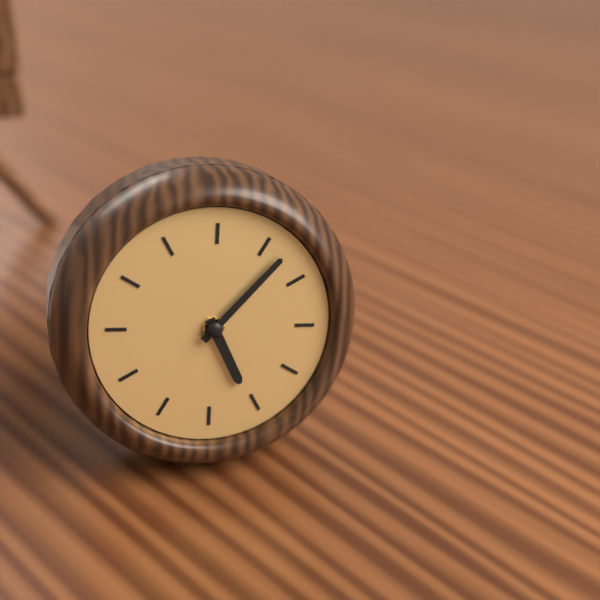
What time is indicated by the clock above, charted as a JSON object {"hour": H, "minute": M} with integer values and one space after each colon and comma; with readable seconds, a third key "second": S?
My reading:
{"hour": 5, "minute": 7}
